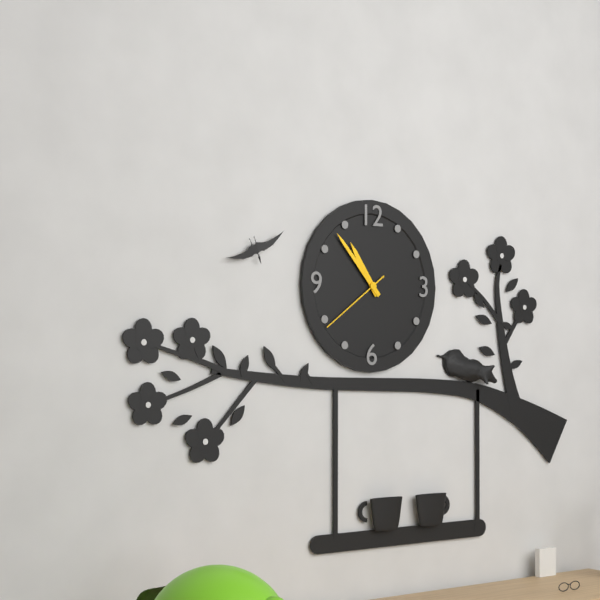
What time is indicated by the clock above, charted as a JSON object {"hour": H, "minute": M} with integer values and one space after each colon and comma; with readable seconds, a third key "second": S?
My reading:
{"hour": 10, "minute": 53, "second": 39}
